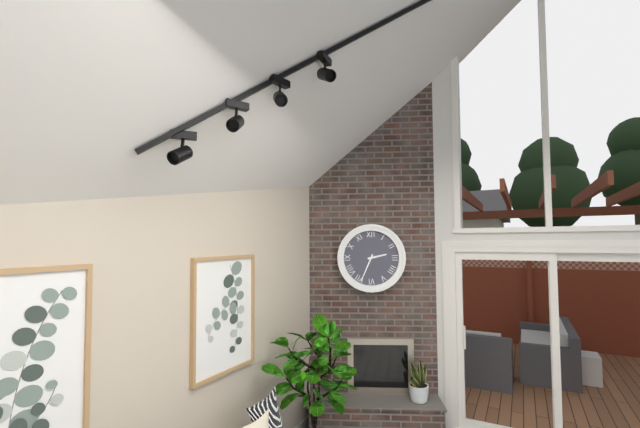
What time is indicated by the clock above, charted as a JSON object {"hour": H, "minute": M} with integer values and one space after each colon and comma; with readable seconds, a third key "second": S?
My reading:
{"hour": 2, "minute": 34}
